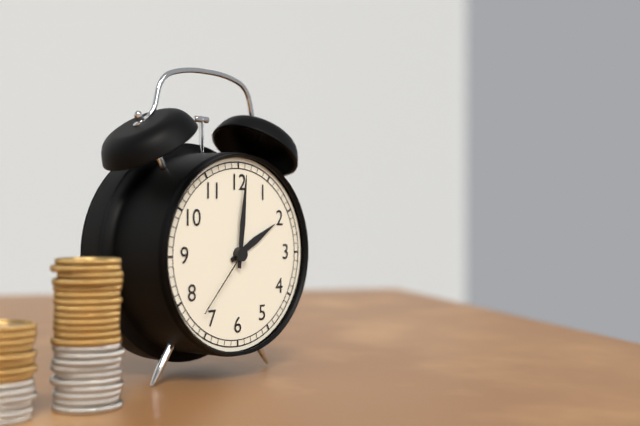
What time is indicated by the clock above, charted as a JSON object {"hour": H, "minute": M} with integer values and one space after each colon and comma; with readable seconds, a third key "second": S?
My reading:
{"hour": 2, "minute": 1, "second": 37}
